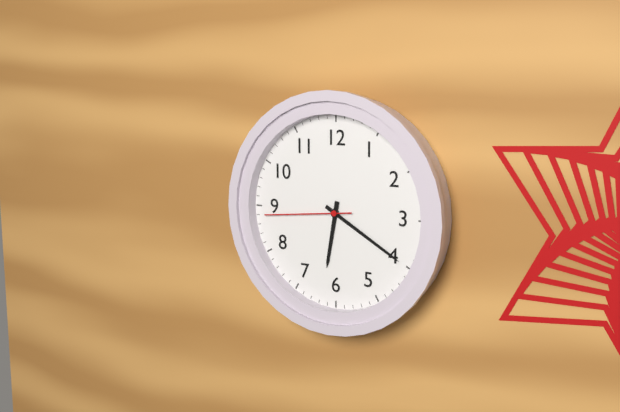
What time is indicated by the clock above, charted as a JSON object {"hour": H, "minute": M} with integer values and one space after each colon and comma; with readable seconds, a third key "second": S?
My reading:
{"hour": 6, "minute": 20, "second": 44}
